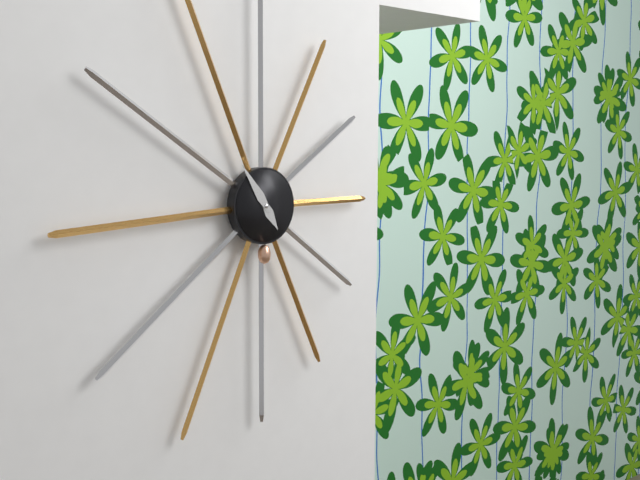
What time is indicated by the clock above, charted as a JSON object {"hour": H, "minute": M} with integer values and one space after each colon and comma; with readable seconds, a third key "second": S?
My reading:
{"hour": 4, "minute": 54}
